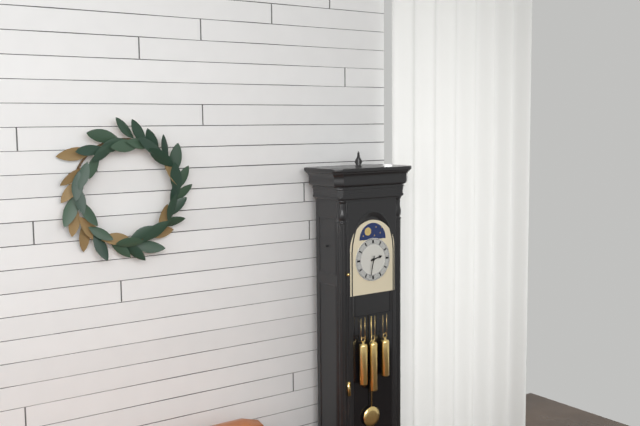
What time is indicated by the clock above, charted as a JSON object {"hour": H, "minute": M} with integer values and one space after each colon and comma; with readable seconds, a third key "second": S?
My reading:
{"hour": 2, "minute": 32}
